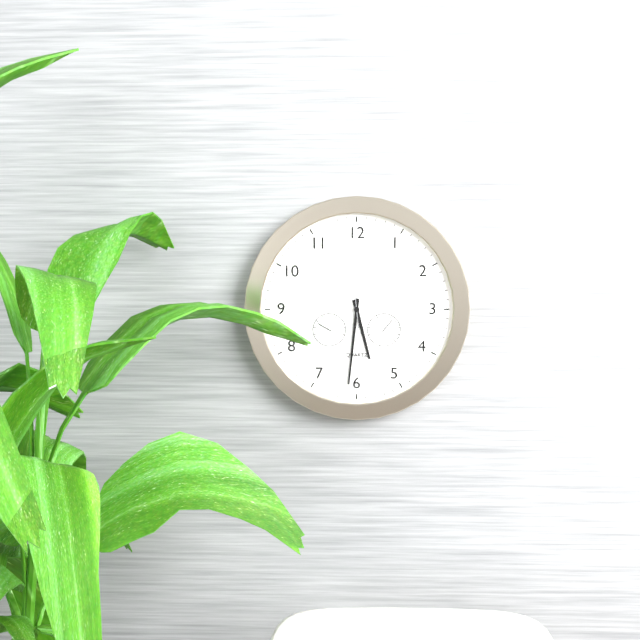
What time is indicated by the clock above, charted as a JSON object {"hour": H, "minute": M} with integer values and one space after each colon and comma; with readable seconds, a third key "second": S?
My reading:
{"hour": 5, "minute": 31, "second": 59}
